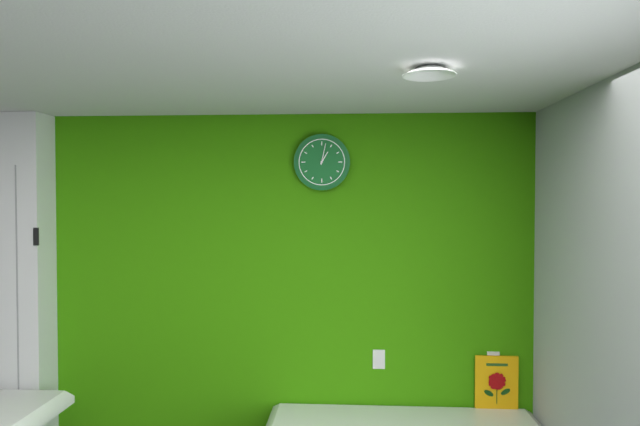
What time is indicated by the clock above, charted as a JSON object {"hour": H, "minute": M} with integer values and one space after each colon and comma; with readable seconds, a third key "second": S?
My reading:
{"hour": 1, "minute": 2}
